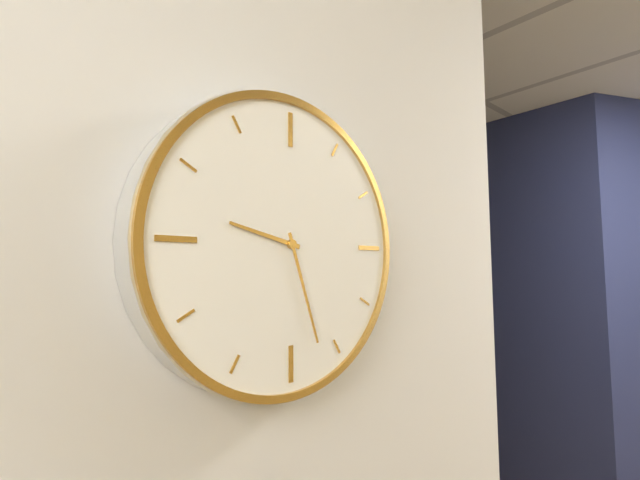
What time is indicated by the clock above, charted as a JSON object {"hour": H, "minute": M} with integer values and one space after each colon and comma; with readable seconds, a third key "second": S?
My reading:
{"hour": 9, "minute": 27}
